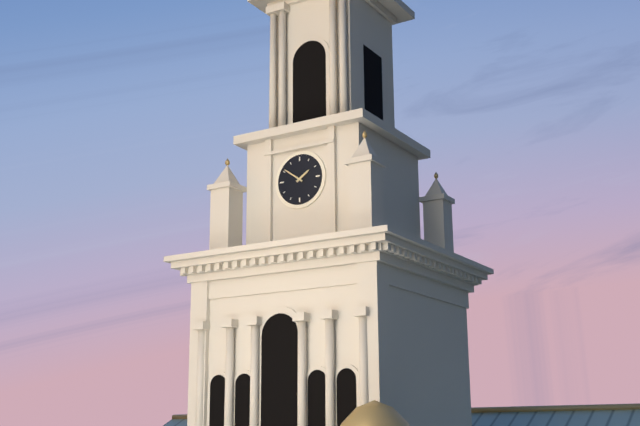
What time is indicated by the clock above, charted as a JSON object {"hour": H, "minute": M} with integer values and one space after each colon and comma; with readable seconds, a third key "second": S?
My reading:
{"hour": 1, "minute": 51}
